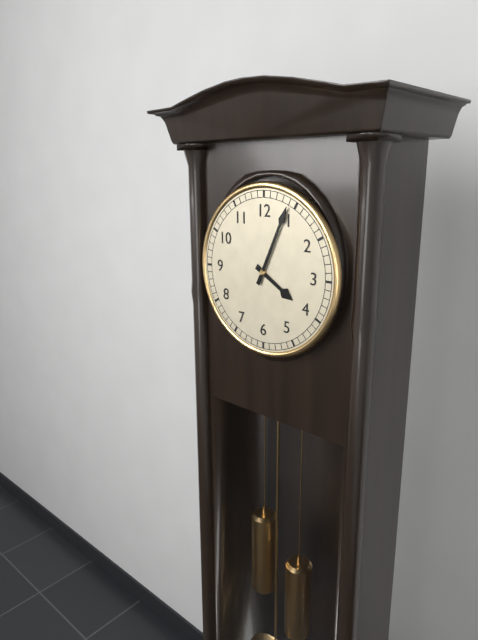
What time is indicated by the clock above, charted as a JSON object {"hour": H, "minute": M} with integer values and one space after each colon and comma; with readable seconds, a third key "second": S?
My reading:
{"hour": 4, "minute": 4}
